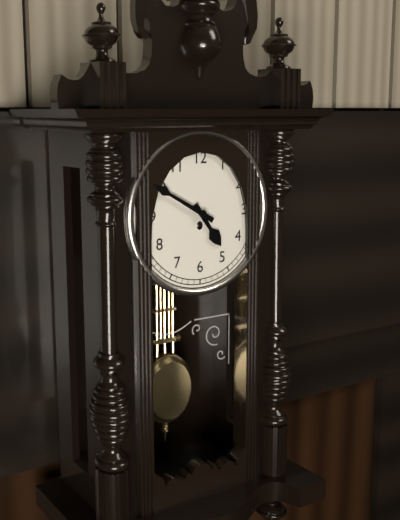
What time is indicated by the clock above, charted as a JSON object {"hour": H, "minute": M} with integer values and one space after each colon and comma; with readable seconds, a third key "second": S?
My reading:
{"hour": 4, "minute": 50}
